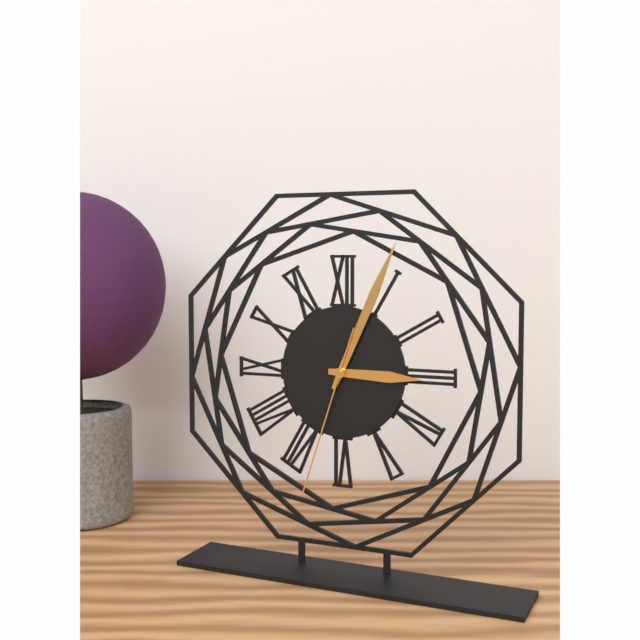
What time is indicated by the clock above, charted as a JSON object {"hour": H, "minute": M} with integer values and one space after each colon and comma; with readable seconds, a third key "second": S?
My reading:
{"hour": 3, "minute": 4, "second": 33}
